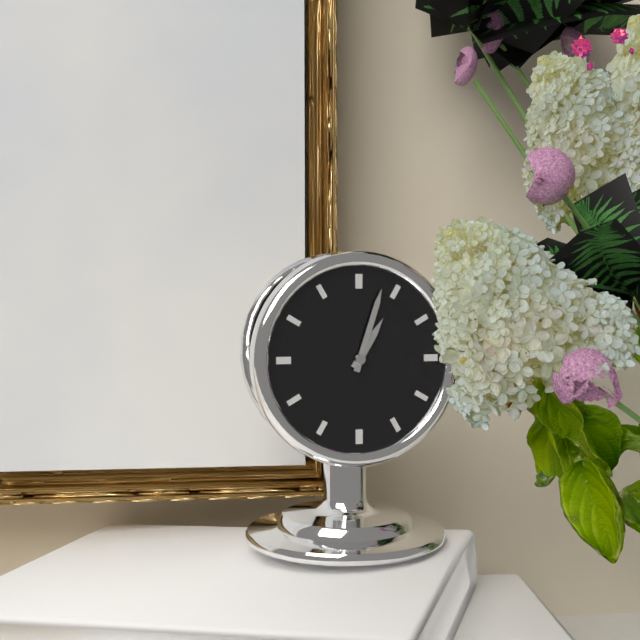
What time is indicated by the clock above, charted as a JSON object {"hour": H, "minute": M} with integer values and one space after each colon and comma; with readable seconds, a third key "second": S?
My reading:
{"hour": 1, "minute": 3}
